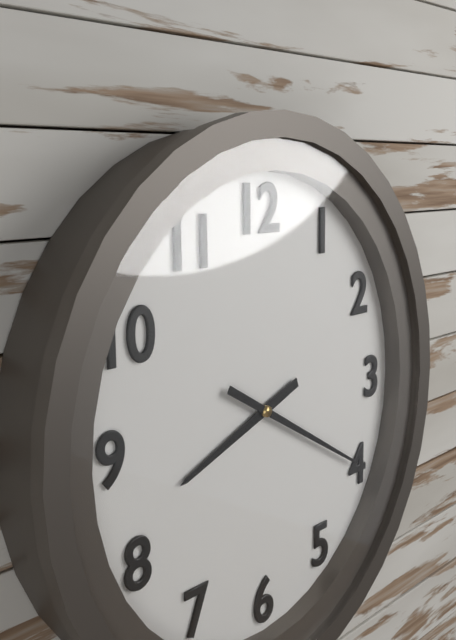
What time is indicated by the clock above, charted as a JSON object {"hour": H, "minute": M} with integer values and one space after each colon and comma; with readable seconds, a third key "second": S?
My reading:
{"hour": 8, "minute": 20}
